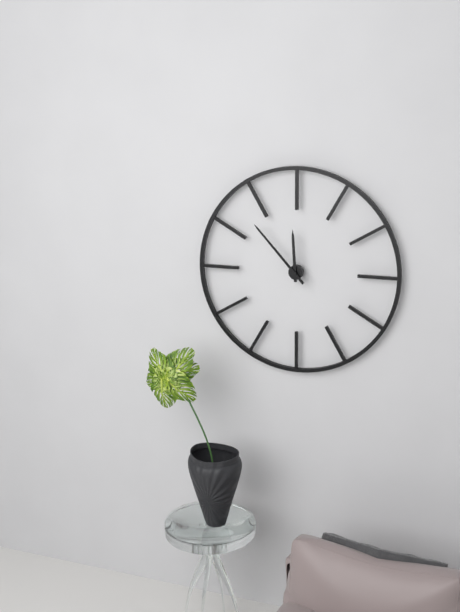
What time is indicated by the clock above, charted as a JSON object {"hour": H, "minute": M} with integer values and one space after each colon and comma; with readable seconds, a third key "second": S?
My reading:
{"hour": 11, "minute": 53}
